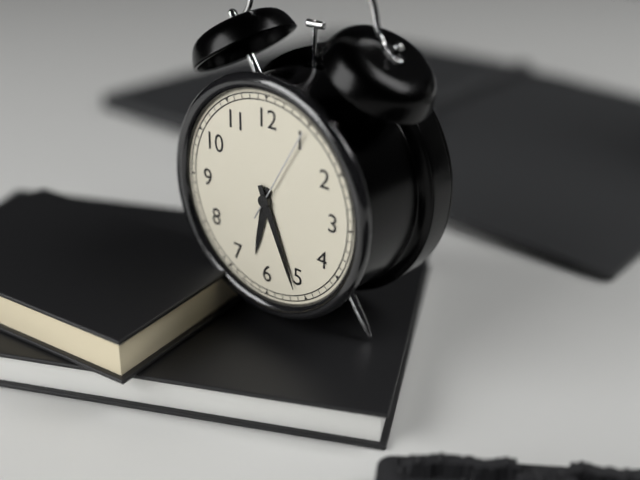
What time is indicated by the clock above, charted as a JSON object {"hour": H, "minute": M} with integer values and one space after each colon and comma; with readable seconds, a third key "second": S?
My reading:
{"hour": 6, "minute": 26, "second": 5}
